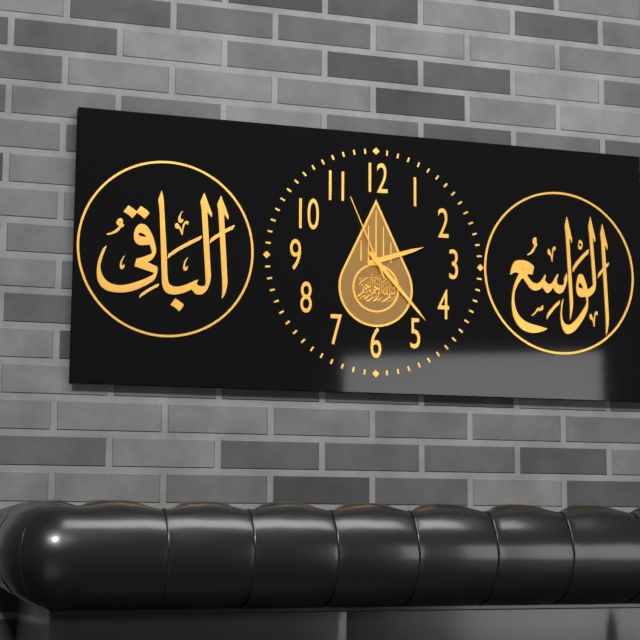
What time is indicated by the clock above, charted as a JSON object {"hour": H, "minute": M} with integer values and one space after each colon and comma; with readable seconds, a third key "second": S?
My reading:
{"hour": 2, "minute": 23, "second": 56}
